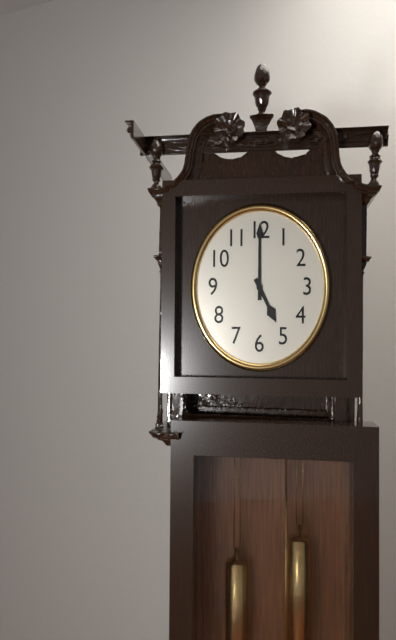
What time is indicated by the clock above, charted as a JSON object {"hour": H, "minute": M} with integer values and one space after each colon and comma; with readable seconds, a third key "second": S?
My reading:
{"hour": 5, "minute": 0}
